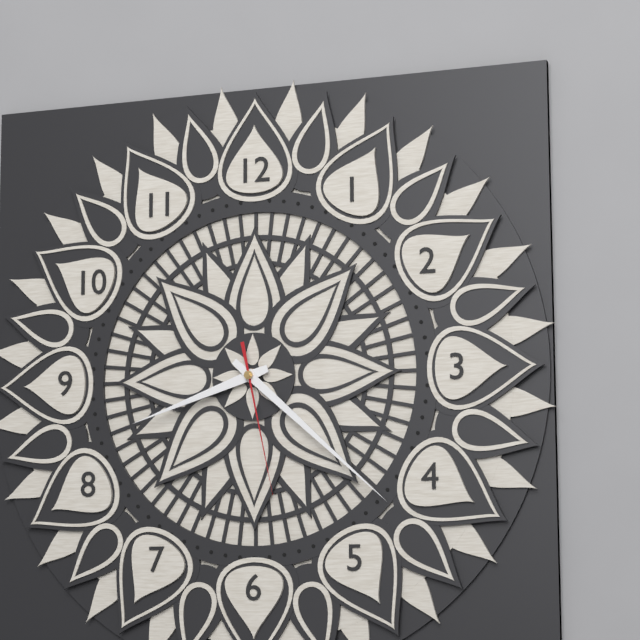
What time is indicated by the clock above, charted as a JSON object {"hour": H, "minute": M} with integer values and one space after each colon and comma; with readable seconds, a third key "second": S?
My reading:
{"hour": 8, "minute": 22, "second": 28}
